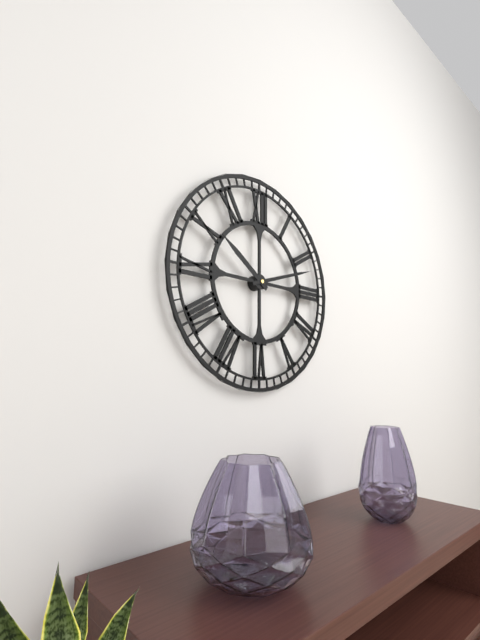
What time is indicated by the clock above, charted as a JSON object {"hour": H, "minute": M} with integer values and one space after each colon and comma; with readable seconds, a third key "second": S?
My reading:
{"hour": 10, "minute": 12}
